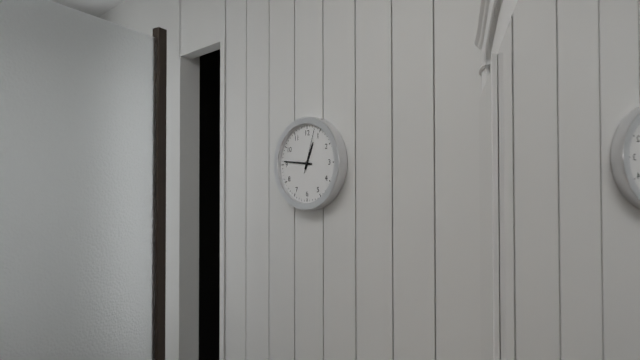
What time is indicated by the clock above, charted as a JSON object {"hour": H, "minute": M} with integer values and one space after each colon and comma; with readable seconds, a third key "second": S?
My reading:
{"hour": 12, "minute": 46}
